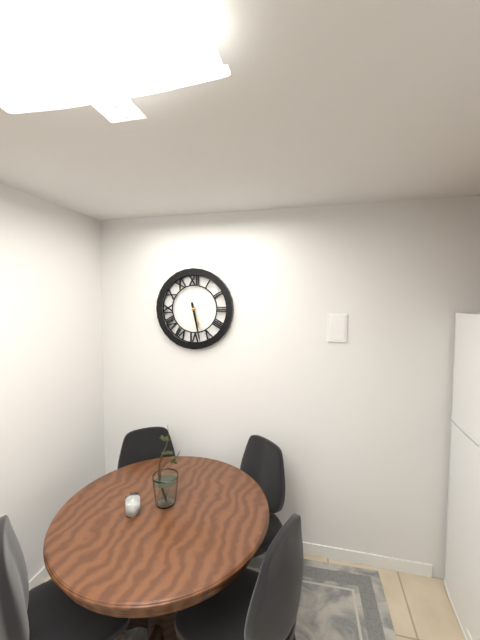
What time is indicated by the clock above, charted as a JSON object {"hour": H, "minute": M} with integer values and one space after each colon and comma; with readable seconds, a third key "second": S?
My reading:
{"hour": 5, "minute": 28}
